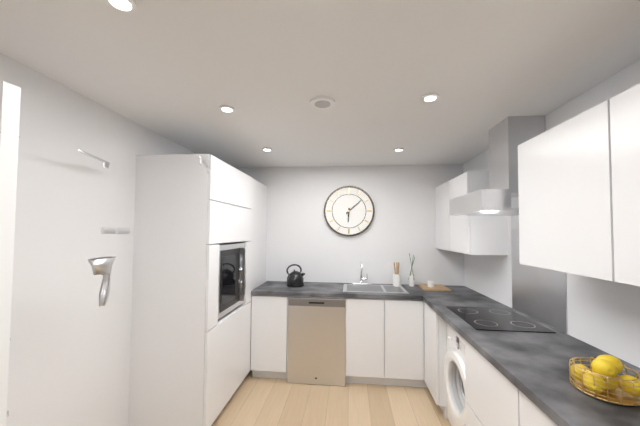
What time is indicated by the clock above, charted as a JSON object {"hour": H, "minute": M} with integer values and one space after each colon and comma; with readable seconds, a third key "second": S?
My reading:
{"hour": 6, "minute": 8}
